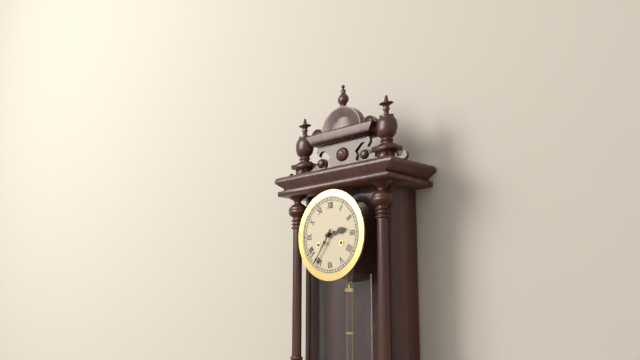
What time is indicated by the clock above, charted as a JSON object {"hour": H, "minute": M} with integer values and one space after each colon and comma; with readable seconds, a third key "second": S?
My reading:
{"hour": 2, "minute": 36}
